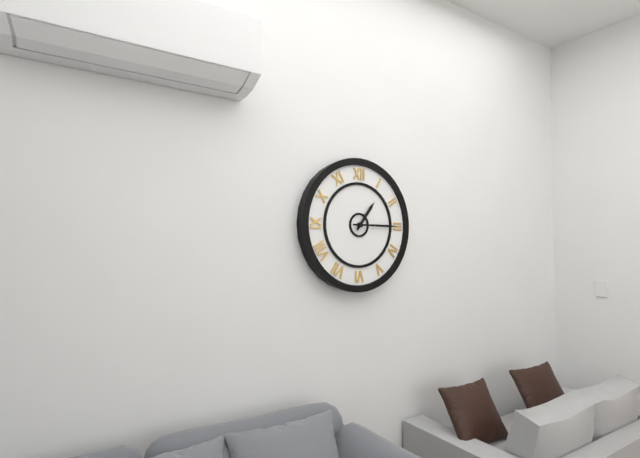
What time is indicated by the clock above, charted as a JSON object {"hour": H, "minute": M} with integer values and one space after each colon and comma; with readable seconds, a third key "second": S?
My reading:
{"hour": 1, "minute": 15}
